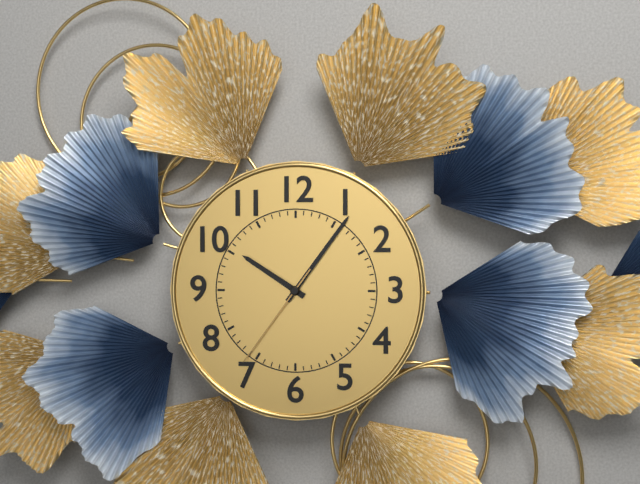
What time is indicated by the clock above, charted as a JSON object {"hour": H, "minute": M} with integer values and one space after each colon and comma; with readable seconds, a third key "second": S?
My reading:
{"hour": 10, "minute": 6, "second": 36}
